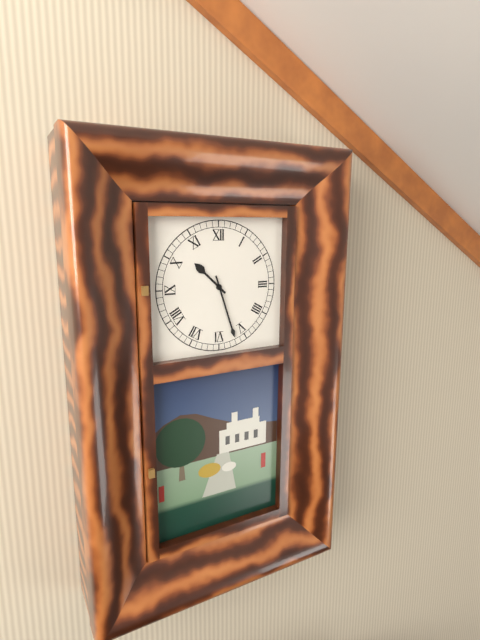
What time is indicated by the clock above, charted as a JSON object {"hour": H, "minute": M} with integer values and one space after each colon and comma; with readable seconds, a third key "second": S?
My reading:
{"hour": 10, "minute": 27}
